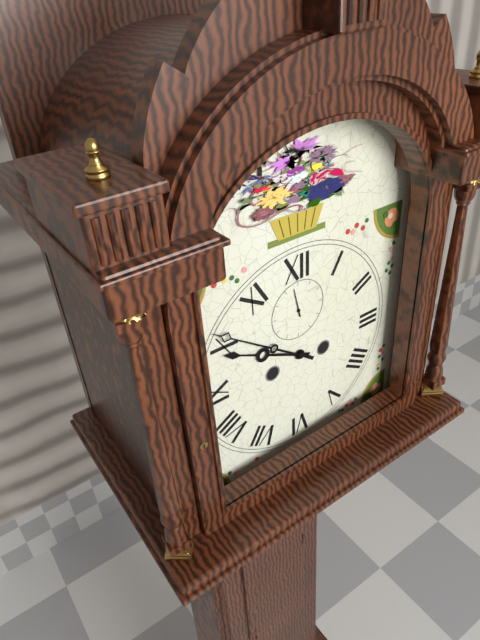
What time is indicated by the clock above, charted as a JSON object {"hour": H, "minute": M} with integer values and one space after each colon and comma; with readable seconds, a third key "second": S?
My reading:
{"hour": 9, "minute": 51}
